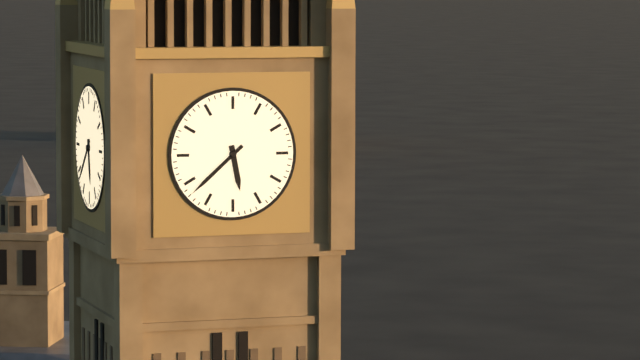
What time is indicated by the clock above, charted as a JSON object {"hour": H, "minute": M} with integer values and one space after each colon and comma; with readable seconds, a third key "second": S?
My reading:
{"hour": 5, "minute": 38}
